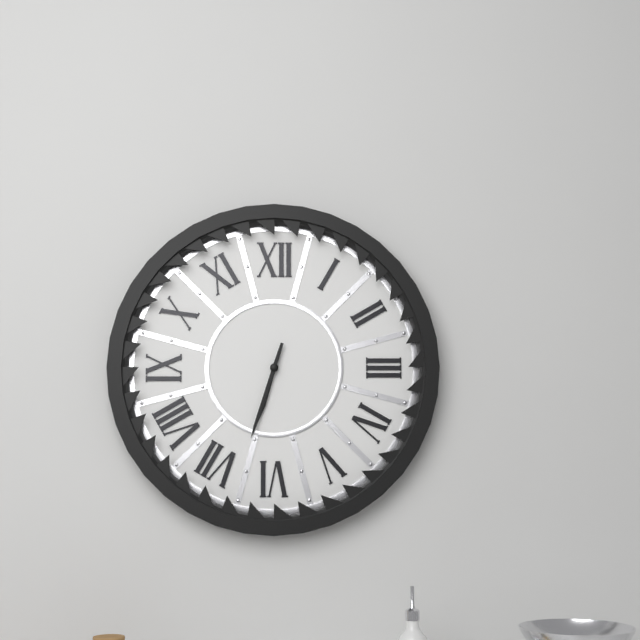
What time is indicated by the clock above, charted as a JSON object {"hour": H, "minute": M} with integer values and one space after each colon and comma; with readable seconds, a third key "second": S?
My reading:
{"hour": 6, "minute": 33}
